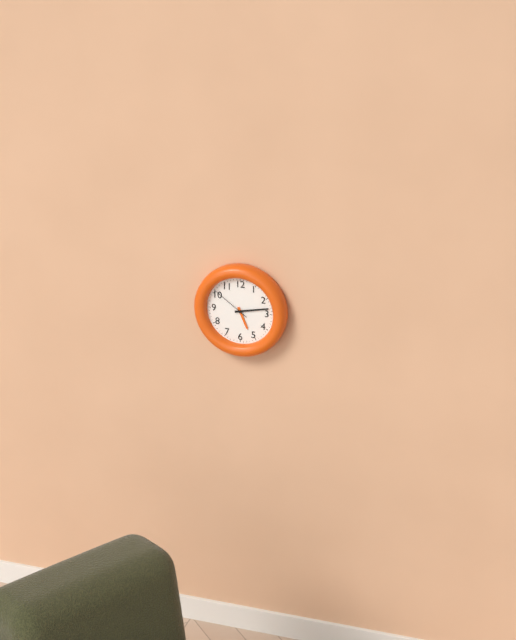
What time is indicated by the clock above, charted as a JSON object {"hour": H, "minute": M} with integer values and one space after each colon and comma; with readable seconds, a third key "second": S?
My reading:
{"hour": 5, "minute": 13}
